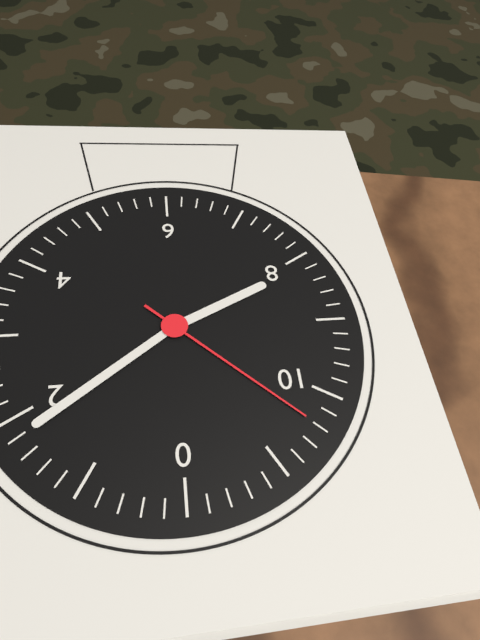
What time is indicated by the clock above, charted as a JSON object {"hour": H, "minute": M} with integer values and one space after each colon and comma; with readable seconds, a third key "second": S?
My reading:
{"hour": 8, "minute": 9, "second": 52}
